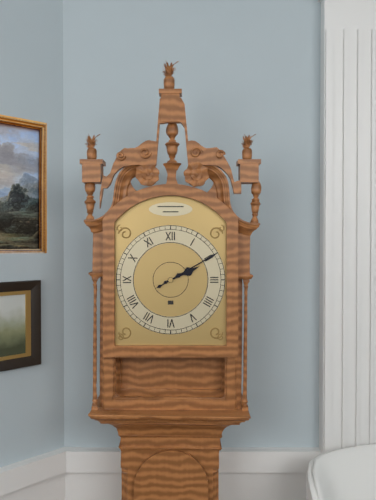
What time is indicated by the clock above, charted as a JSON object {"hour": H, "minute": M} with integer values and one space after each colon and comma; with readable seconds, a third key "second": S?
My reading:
{"hour": 2, "minute": 10}
